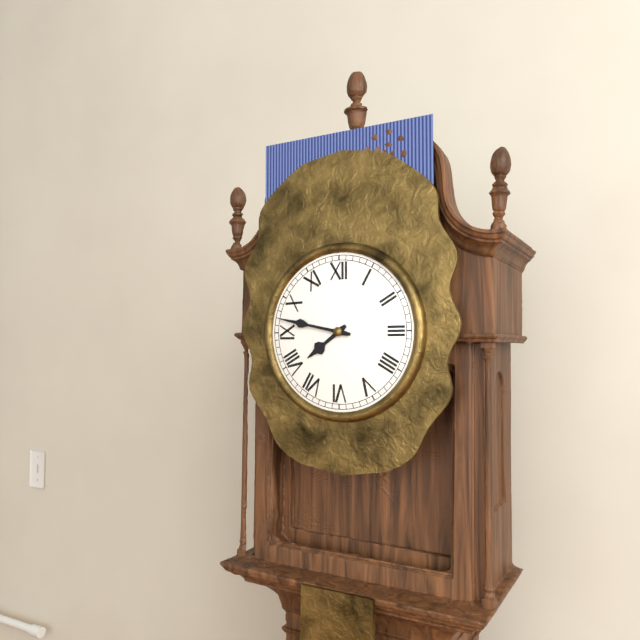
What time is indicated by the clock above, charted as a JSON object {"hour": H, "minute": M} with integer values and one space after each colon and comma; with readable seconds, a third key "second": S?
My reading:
{"hour": 7, "minute": 47}
